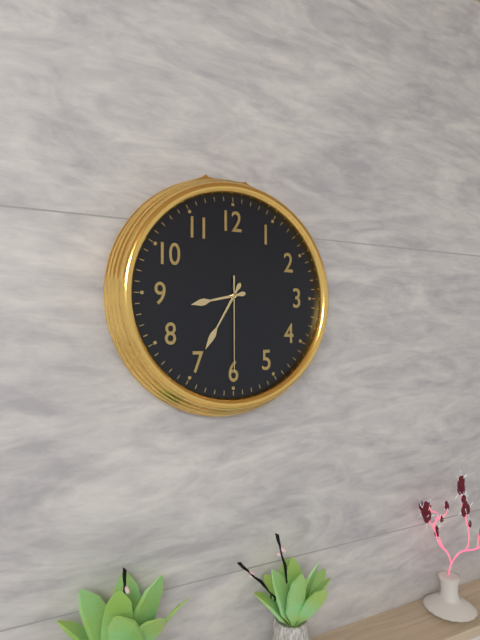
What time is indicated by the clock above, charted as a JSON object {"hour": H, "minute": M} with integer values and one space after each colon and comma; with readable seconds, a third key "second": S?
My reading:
{"hour": 8, "minute": 35, "second": 30}
